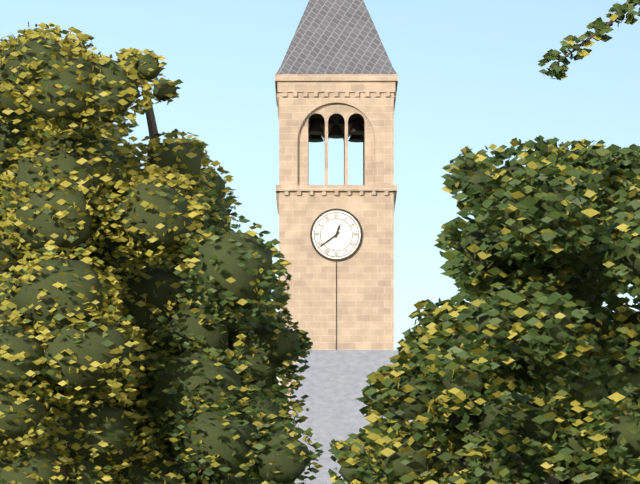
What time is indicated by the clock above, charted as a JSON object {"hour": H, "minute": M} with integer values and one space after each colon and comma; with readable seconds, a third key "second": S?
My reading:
{"hour": 12, "minute": 39}
